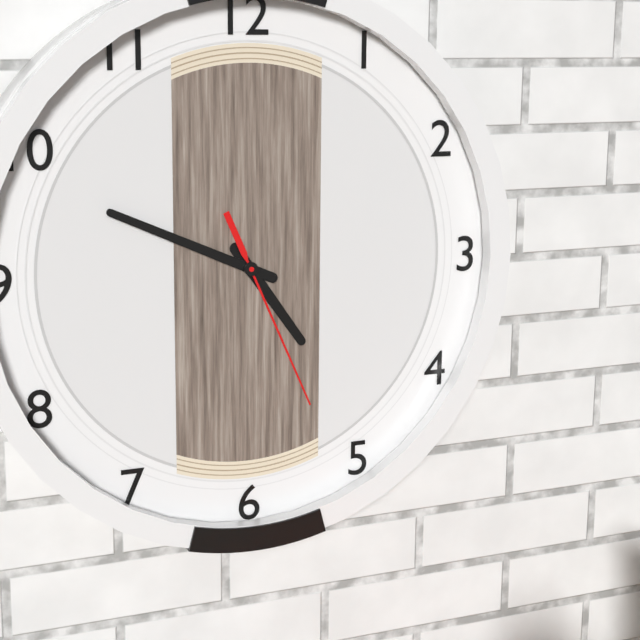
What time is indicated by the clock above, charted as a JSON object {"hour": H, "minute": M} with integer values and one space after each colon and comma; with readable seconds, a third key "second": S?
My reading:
{"hour": 4, "minute": 49, "second": 26}
